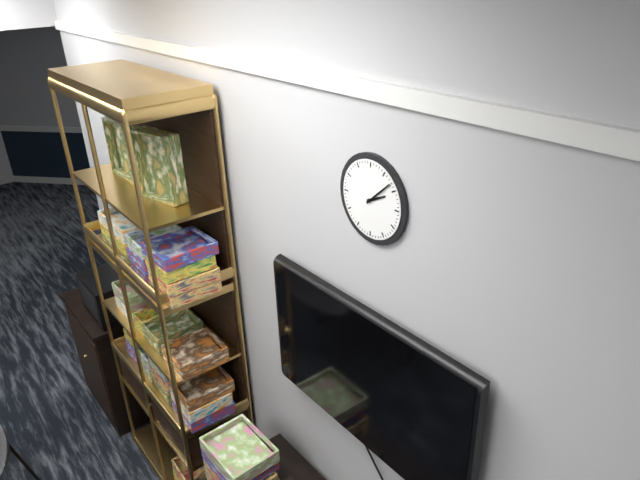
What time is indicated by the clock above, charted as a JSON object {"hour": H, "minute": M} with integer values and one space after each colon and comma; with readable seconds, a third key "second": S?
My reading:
{"hour": 2, "minute": 8}
